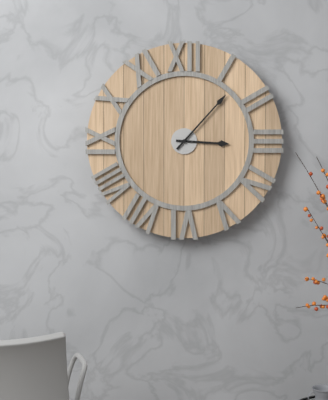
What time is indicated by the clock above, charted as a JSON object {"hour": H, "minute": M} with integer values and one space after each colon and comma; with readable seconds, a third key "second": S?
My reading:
{"hour": 3, "minute": 7}
